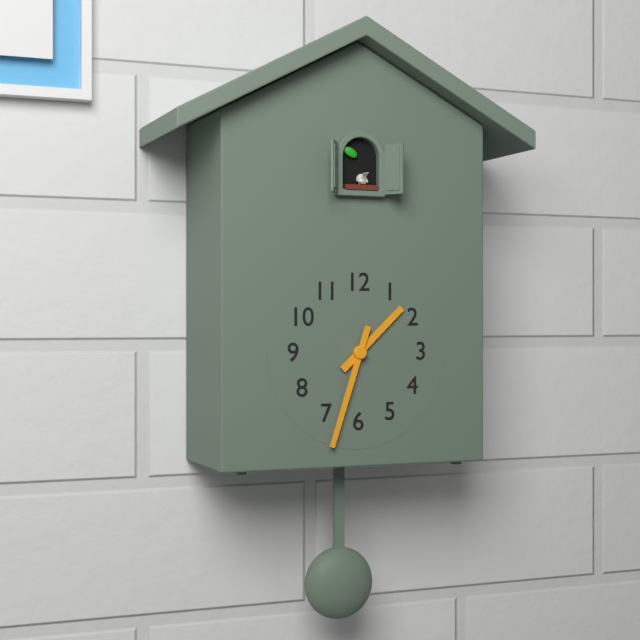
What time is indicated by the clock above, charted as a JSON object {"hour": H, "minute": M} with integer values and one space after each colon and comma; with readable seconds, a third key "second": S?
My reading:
{"hour": 1, "minute": 33}
